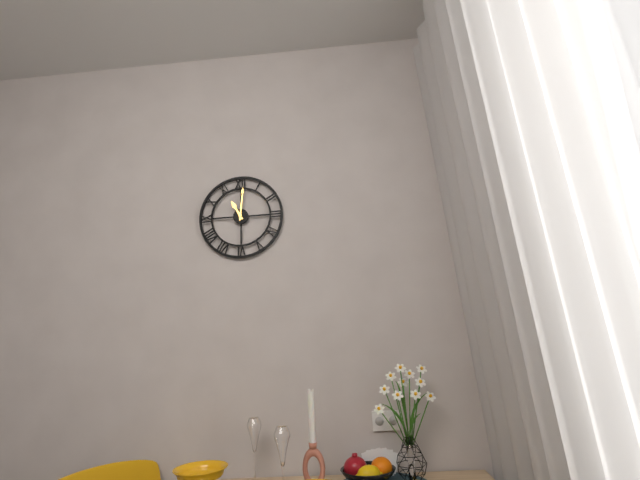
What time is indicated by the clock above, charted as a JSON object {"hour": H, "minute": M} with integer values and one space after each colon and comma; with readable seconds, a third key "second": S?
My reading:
{"hour": 11, "minute": 1}
